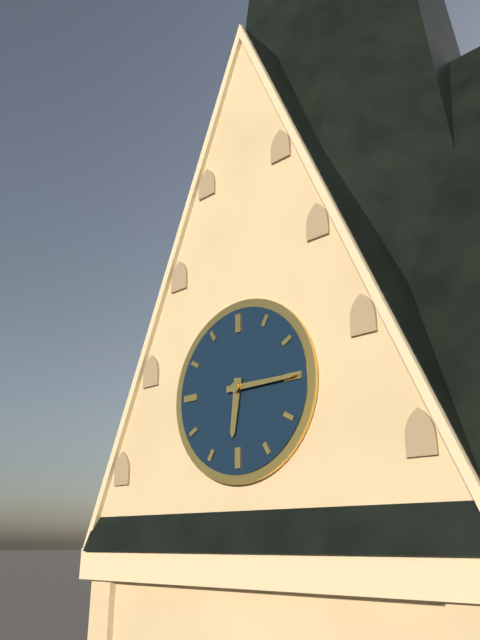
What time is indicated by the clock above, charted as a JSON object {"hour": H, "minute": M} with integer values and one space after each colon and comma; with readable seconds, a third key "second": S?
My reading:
{"hour": 6, "minute": 15}
